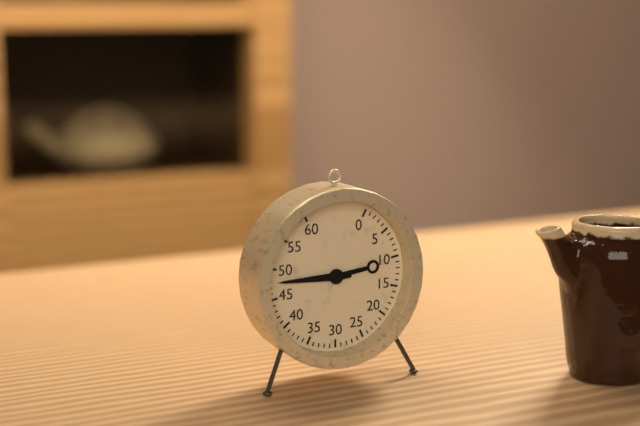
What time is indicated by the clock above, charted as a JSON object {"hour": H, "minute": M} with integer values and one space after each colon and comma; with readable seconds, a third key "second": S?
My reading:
{"hour": 2, "minute": 45}
